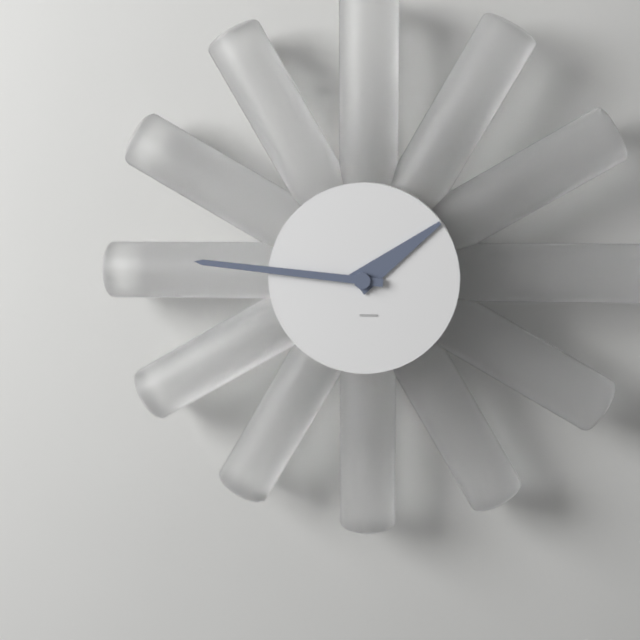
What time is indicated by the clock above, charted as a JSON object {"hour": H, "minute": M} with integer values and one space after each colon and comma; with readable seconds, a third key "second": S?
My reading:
{"hour": 1, "minute": 46}
